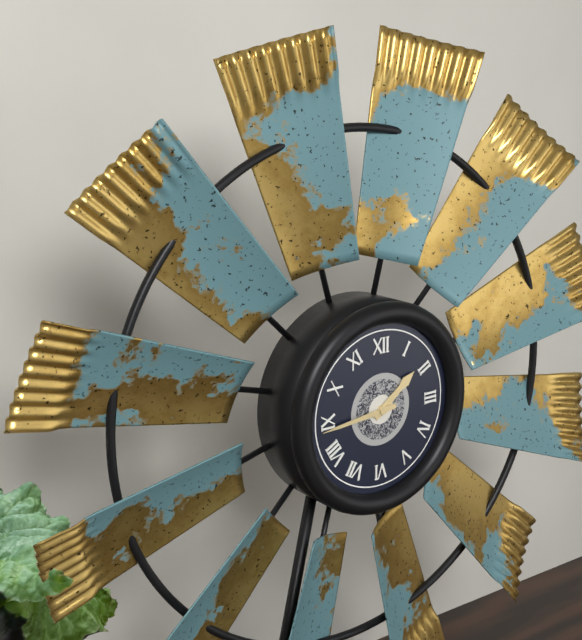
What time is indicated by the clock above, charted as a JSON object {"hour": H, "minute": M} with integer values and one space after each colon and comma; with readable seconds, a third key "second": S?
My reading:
{"hour": 1, "minute": 44}
